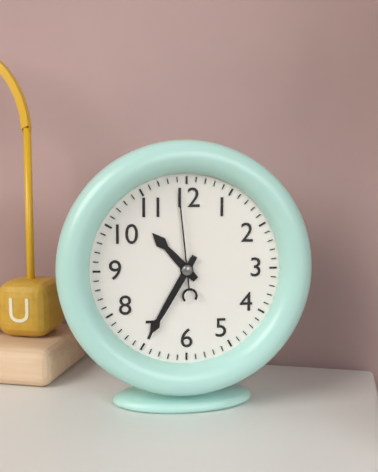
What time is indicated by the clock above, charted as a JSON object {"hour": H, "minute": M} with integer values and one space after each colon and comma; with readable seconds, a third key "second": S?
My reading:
{"hour": 10, "minute": 35, "second": 59}
